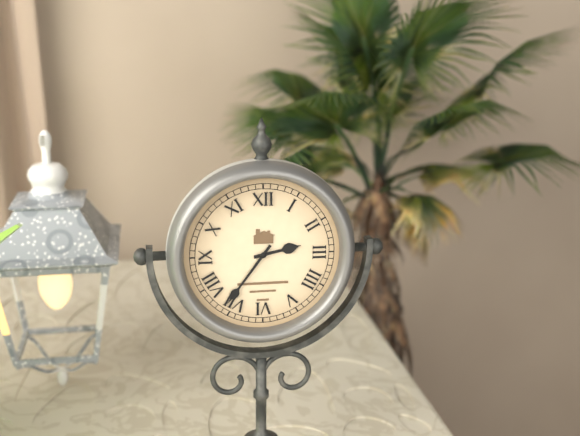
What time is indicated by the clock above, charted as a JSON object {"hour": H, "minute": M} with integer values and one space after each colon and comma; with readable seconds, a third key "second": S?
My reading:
{"hour": 2, "minute": 36}
